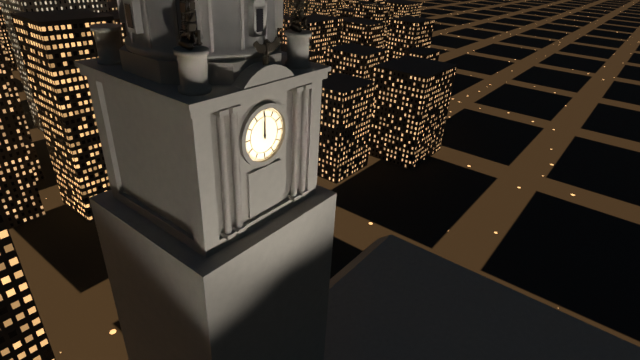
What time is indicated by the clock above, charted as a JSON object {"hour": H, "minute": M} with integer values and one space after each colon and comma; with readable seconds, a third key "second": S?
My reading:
{"hour": 12, "minute": 0}
